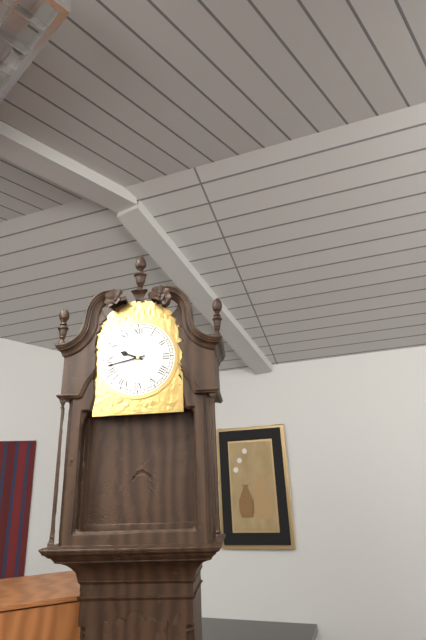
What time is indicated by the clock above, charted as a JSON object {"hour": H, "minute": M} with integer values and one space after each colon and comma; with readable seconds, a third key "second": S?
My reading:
{"hour": 9, "minute": 43}
